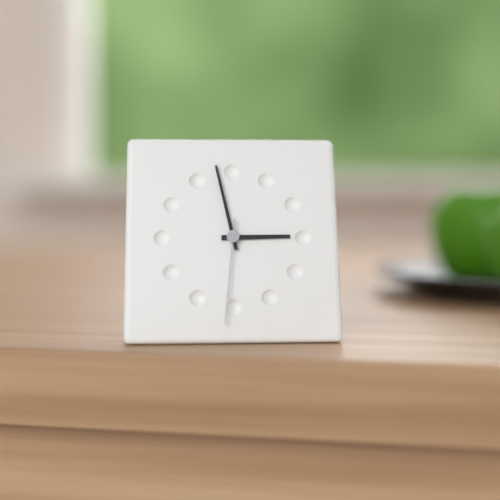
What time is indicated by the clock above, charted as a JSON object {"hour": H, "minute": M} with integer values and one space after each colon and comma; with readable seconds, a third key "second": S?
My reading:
{"hour": 2, "minute": 58, "second": 31}
